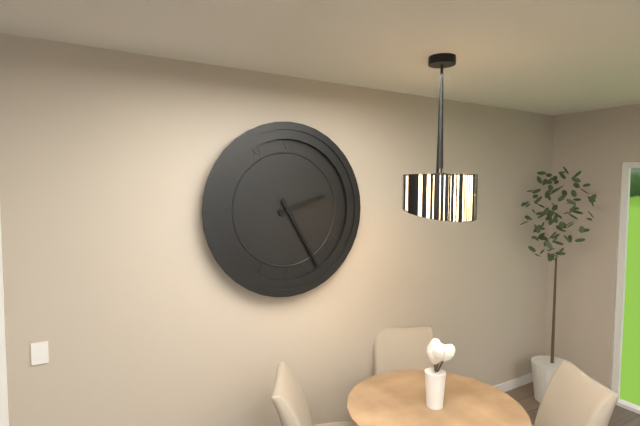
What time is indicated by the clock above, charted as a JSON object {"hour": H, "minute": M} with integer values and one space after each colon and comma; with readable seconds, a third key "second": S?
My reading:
{"hour": 2, "minute": 25}
